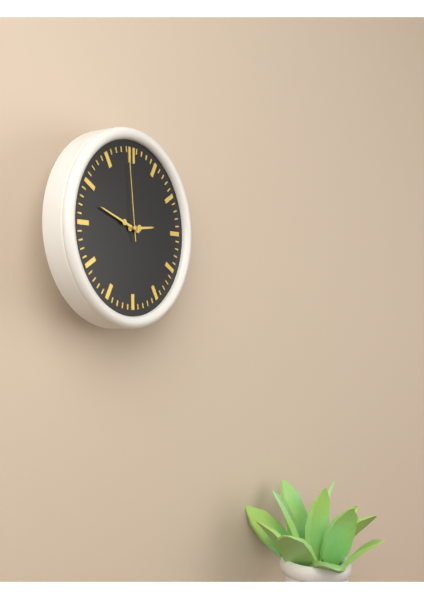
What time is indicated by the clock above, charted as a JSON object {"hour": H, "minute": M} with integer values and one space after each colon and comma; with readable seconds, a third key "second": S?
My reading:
{"hour": 2, "minute": 48, "second": 59}
